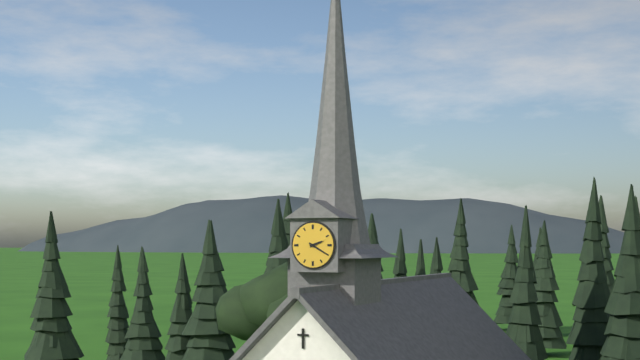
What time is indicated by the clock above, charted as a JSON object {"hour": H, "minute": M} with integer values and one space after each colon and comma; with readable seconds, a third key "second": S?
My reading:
{"hour": 2, "minute": 20}
